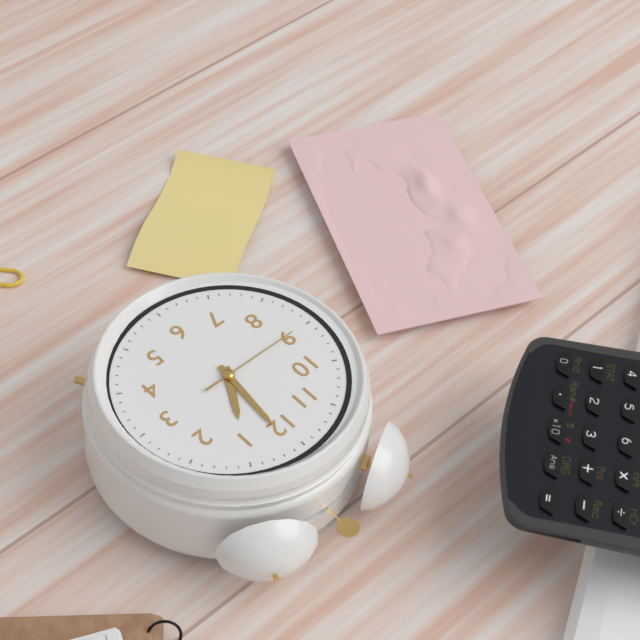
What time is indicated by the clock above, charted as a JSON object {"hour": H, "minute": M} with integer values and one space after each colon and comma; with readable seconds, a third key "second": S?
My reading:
{"hour": 1, "minute": 1, "second": 45}
